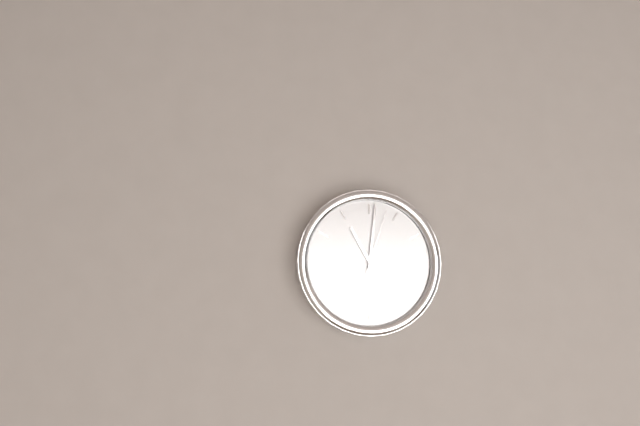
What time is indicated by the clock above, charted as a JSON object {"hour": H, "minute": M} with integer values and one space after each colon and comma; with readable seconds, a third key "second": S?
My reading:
{"hour": 11, "minute": 1, "second": 3}
